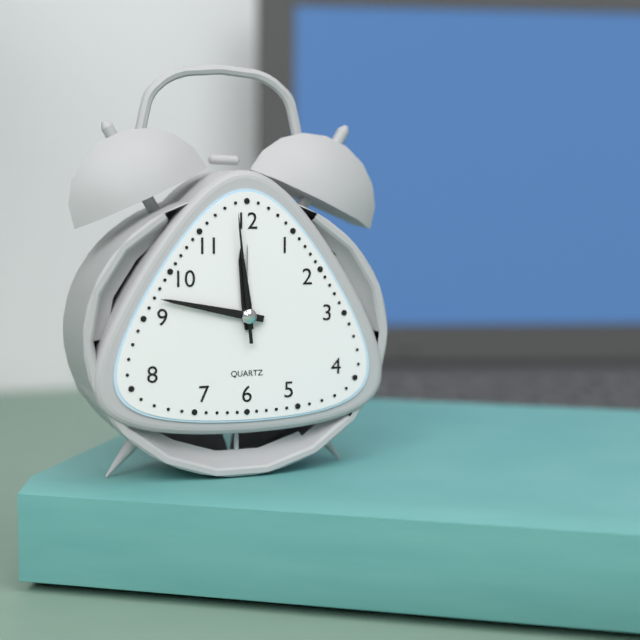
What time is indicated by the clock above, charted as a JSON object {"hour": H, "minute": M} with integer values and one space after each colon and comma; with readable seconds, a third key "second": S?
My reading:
{"hour": 11, "minute": 47, "second": 59}
